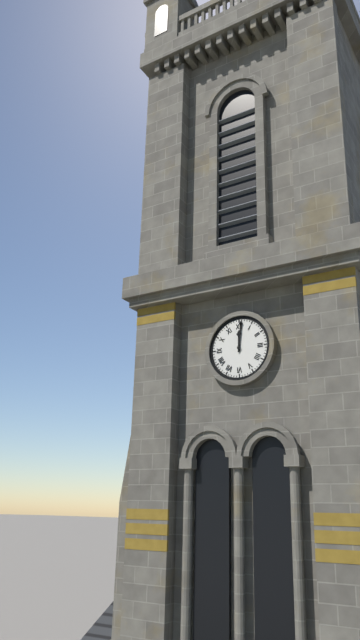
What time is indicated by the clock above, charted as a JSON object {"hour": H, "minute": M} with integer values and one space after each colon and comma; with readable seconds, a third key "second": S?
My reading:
{"hour": 12, "minute": 1}
